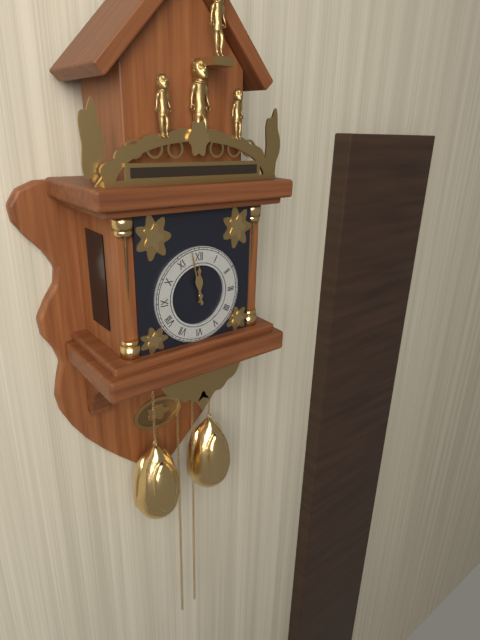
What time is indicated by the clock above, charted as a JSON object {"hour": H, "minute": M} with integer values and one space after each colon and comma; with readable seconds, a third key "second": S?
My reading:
{"hour": 11, "minute": 58}
